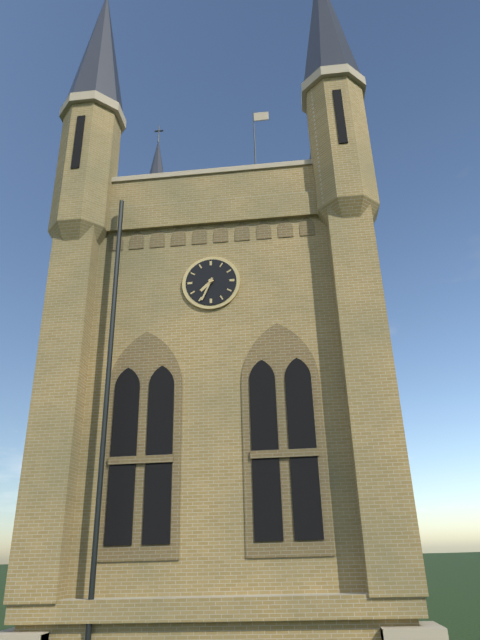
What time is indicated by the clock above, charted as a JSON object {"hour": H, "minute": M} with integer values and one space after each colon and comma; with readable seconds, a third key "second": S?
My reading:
{"hour": 7, "minute": 34}
